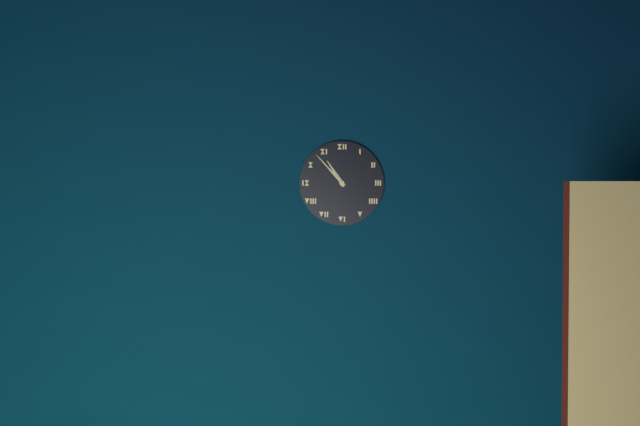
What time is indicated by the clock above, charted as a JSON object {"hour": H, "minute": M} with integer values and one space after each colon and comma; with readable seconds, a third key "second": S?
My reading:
{"hour": 10, "minute": 53}
